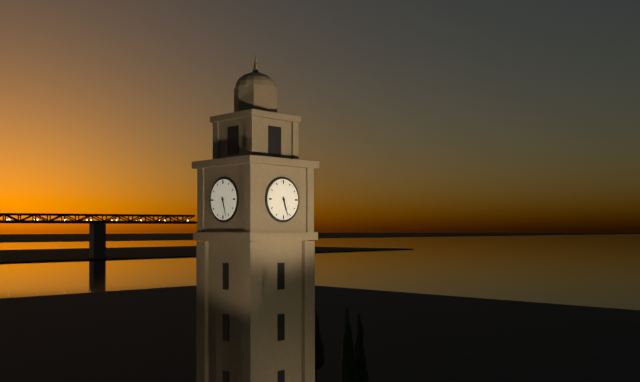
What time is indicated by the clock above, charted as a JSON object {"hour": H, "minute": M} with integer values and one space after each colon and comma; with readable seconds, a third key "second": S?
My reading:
{"hour": 5, "minute": 27}
